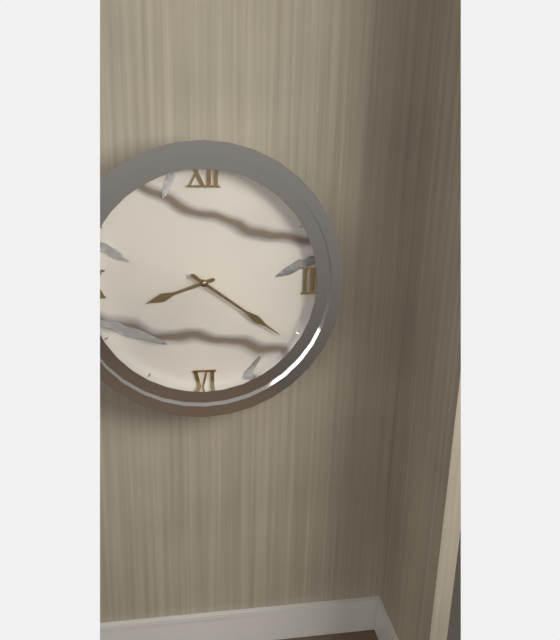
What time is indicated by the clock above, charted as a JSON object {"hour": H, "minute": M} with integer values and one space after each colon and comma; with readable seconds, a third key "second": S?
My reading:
{"hour": 8, "minute": 21}
